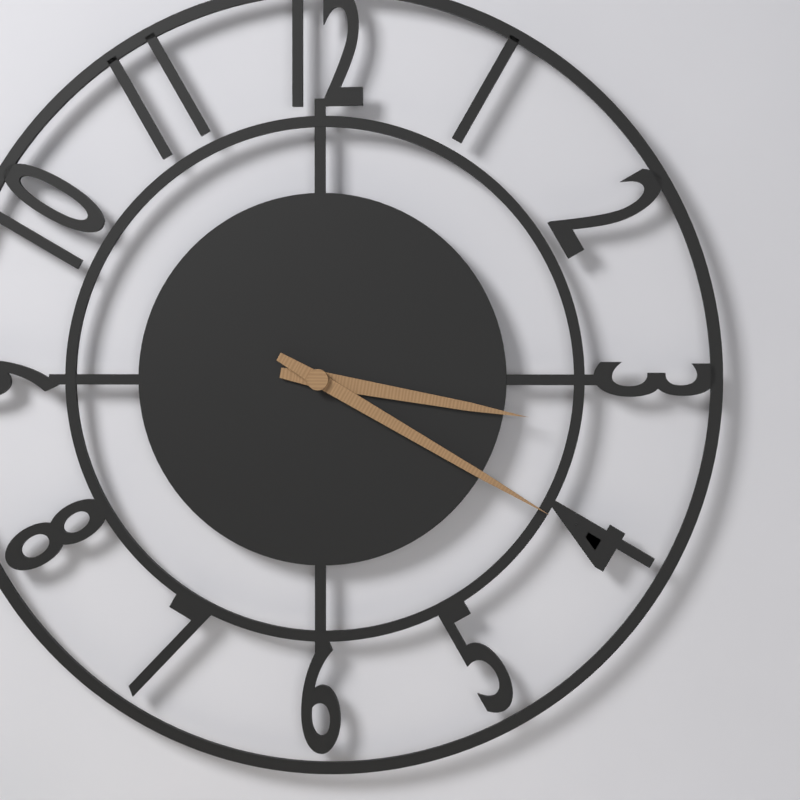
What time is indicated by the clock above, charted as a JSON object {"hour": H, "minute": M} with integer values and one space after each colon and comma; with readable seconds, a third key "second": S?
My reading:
{"hour": 3, "minute": 20}
